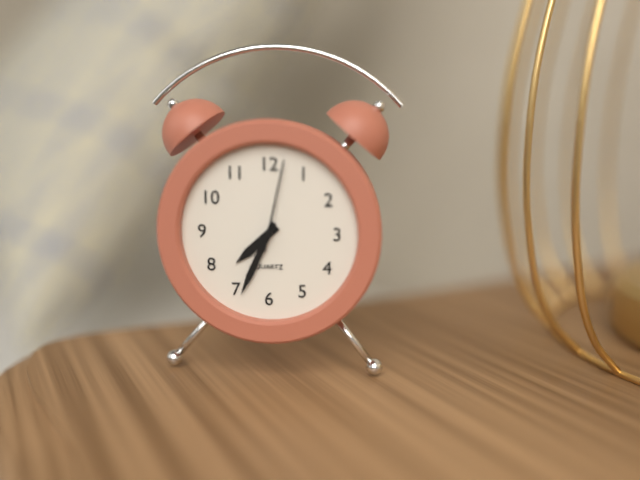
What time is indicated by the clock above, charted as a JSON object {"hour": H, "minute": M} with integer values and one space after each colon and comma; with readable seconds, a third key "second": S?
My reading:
{"hour": 7, "minute": 34, "second": 2}
